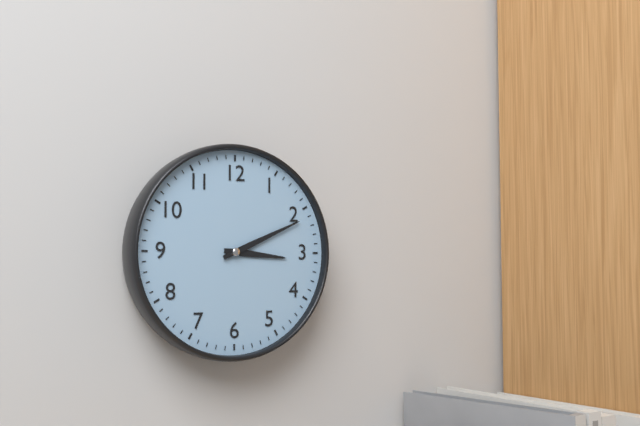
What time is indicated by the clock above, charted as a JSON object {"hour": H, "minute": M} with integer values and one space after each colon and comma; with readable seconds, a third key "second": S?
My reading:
{"hour": 3, "minute": 11}
